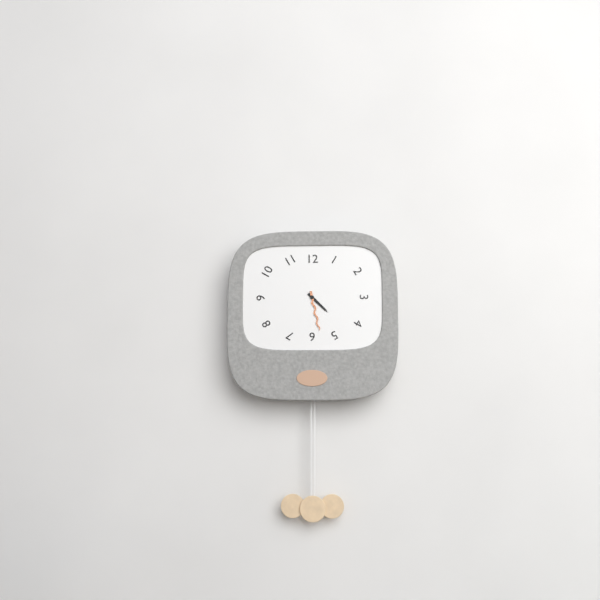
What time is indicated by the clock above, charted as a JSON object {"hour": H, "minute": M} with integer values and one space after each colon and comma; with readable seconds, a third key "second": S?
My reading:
{"hour": 4, "minute": 28}
